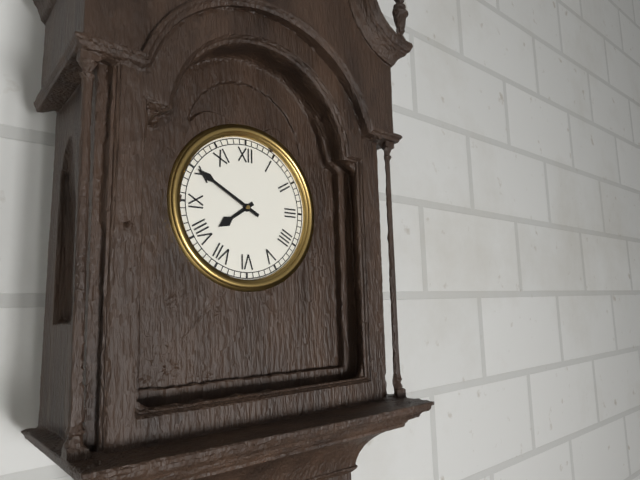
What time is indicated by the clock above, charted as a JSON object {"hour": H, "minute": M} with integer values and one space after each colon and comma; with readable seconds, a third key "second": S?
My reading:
{"hour": 7, "minute": 50}
